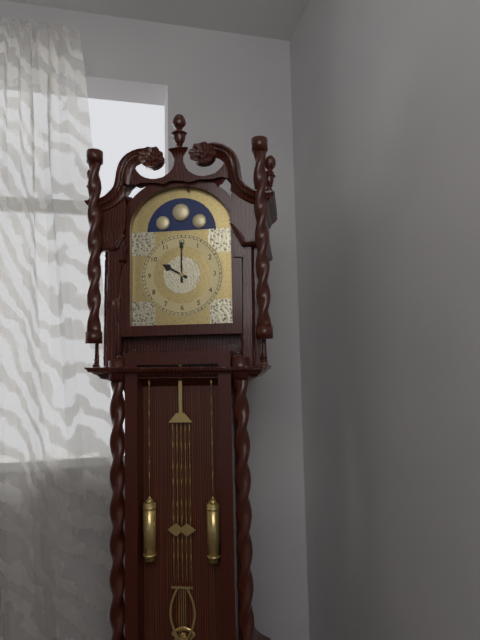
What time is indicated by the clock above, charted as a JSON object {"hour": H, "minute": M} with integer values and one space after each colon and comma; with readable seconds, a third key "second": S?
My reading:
{"hour": 10, "minute": 0}
